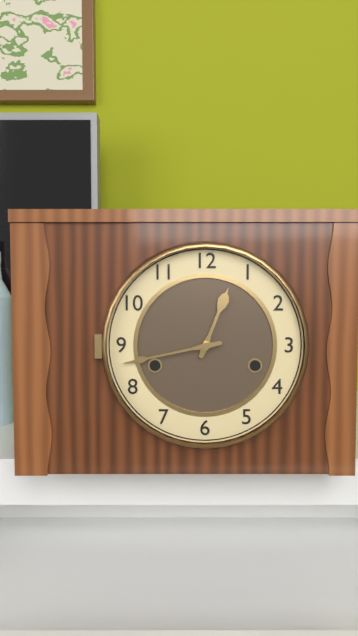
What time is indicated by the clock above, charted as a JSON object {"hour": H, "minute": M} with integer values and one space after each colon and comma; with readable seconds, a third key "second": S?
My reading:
{"hour": 12, "minute": 43}
